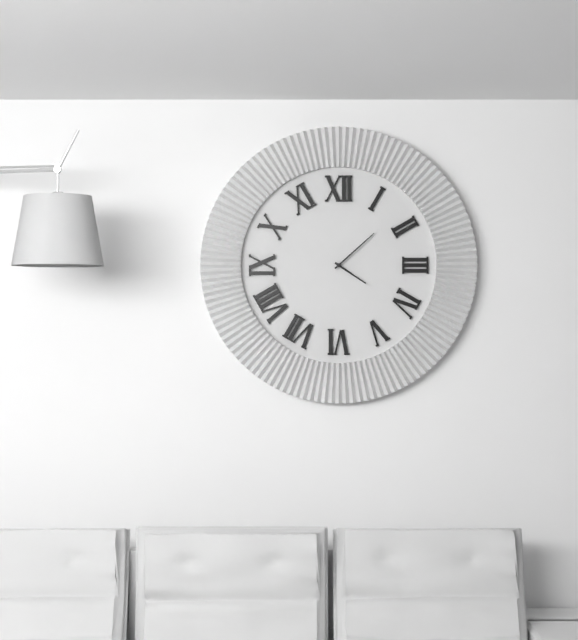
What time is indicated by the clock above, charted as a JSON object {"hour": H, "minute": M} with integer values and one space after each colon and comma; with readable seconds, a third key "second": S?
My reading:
{"hour": 4, "minute": 8}
